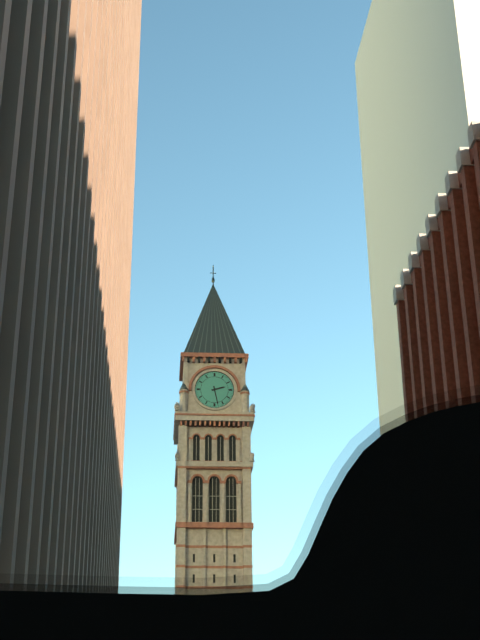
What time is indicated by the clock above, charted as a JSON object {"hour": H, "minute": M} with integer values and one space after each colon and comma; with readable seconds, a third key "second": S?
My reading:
{"hour": 2, "minute": 28}
